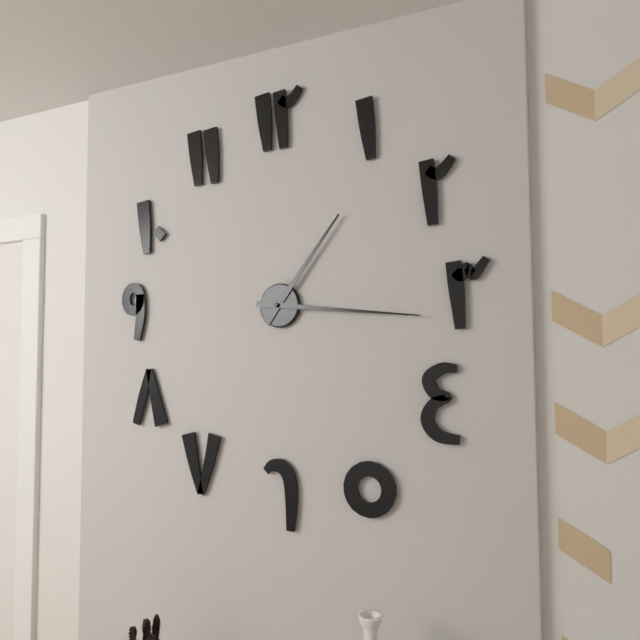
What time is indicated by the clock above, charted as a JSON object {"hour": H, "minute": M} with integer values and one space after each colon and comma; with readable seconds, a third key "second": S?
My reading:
{"hour": 1, "minute": 16}
